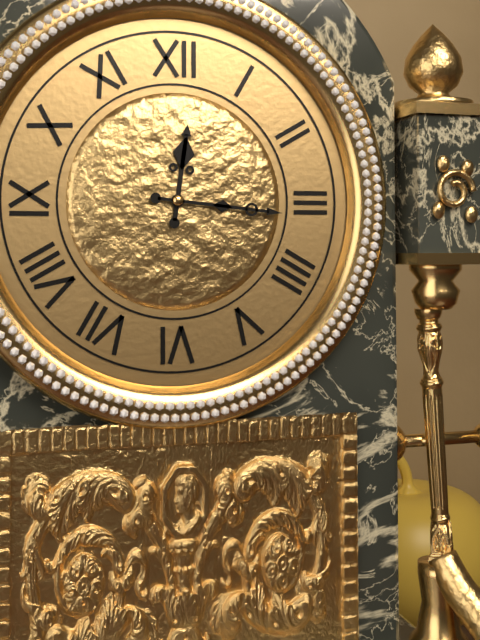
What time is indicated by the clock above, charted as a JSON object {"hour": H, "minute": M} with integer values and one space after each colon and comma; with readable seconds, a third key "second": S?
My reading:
{"hour": 12, "minute": 16}
